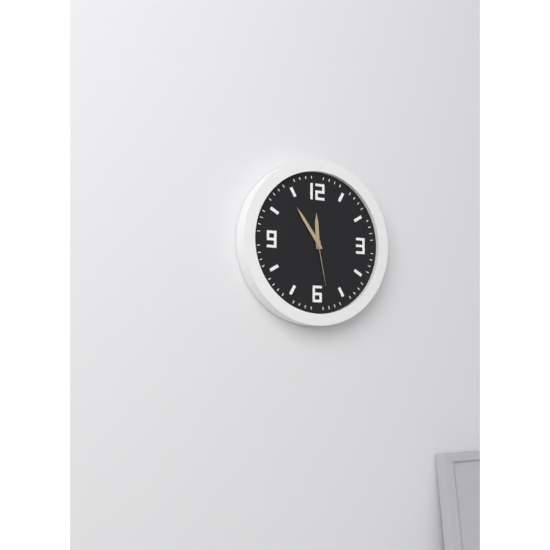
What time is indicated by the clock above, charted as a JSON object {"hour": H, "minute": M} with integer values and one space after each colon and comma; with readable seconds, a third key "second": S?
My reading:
{"hour": 11, "minute": 54, "second": 28}
